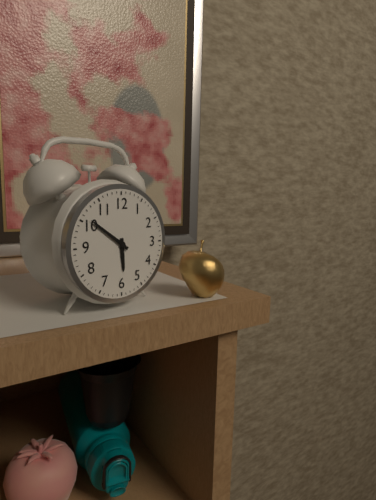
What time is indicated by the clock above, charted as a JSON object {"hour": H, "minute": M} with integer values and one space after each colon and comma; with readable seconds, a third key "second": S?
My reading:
{"hour": 5, "minute": 51}
